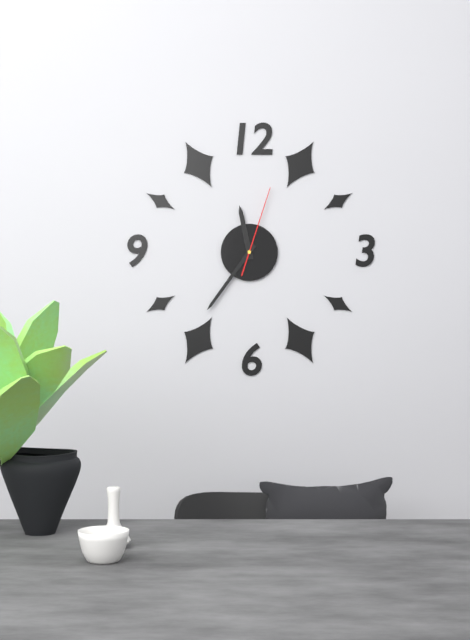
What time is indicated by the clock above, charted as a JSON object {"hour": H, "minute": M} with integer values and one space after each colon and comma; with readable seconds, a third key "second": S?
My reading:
{"hour": 11, "minute": 36, "second": 3}
